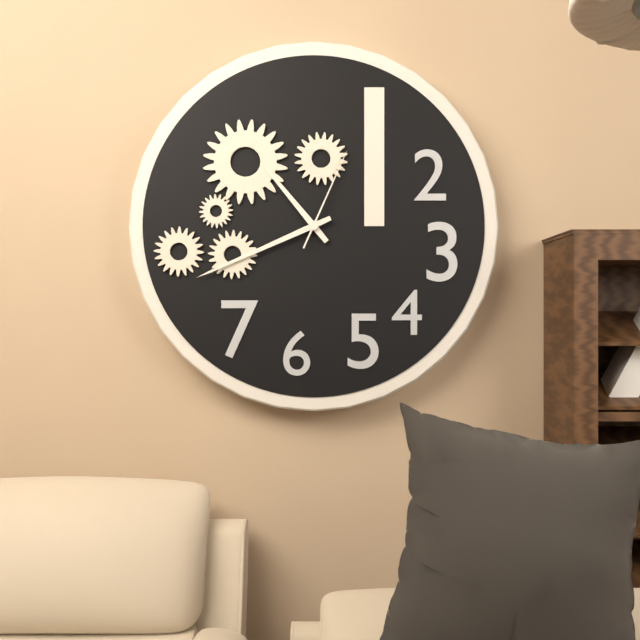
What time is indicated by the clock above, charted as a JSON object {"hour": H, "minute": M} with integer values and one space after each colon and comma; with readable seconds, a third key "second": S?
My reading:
{"hour": 10, "minute": 41, "second": 4}
